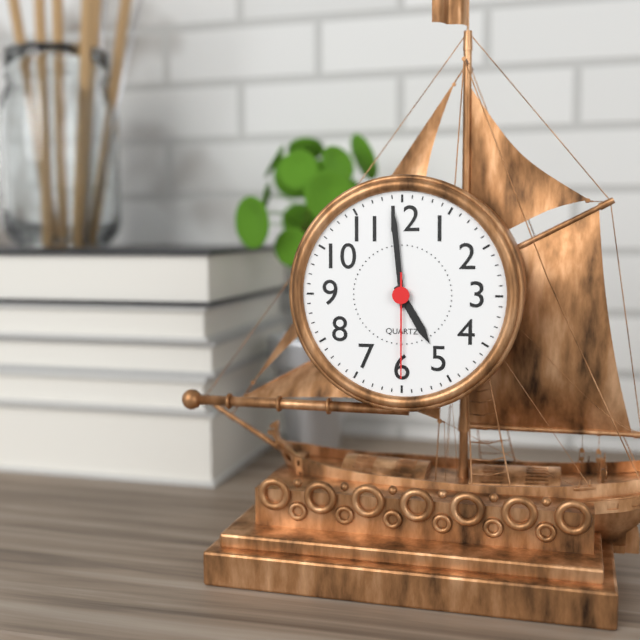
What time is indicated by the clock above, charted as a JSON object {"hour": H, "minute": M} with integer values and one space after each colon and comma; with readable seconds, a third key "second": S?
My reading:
{"hour": 4, "minute": 59, "second": 30}
